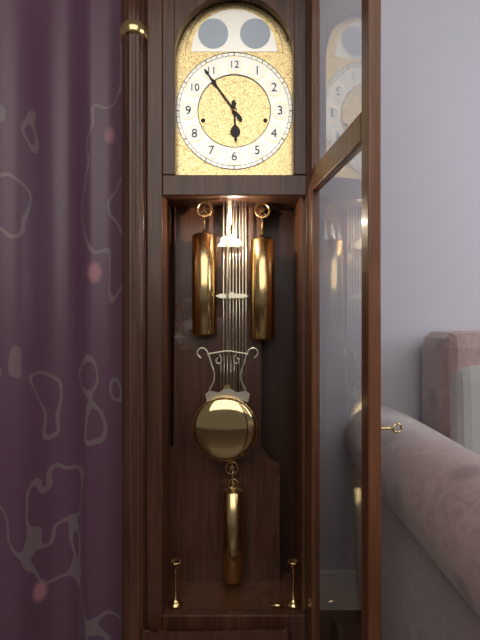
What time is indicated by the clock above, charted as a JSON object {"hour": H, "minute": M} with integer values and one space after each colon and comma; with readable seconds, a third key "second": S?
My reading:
{"hour": 5, "minute": 54}
